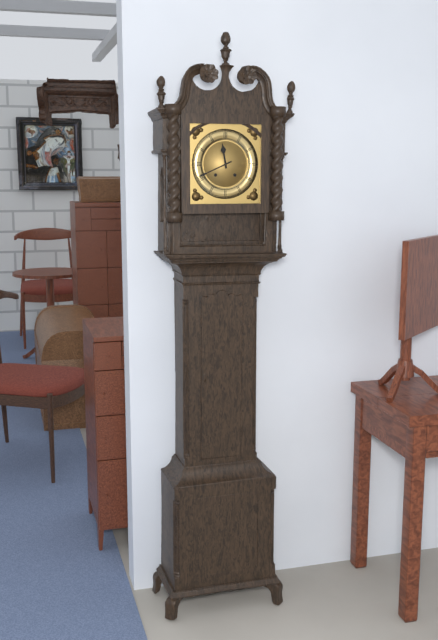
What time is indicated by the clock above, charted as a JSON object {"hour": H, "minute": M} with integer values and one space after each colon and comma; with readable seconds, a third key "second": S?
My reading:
{"hour": 11, "minute": 41}
